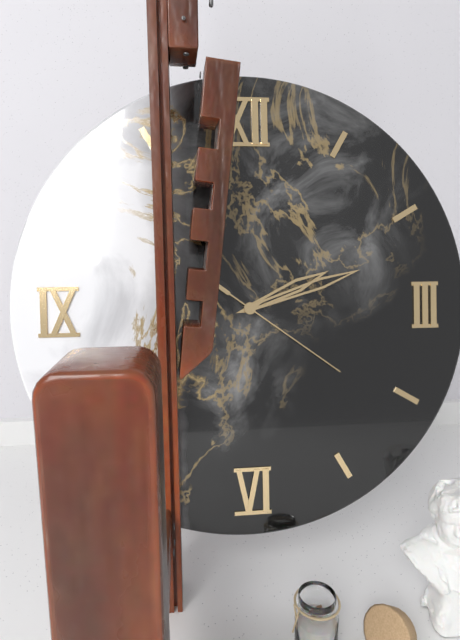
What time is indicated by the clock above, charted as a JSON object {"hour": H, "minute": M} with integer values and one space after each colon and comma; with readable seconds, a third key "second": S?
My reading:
{"hour": 2, "minute": 12, "second": 21}
